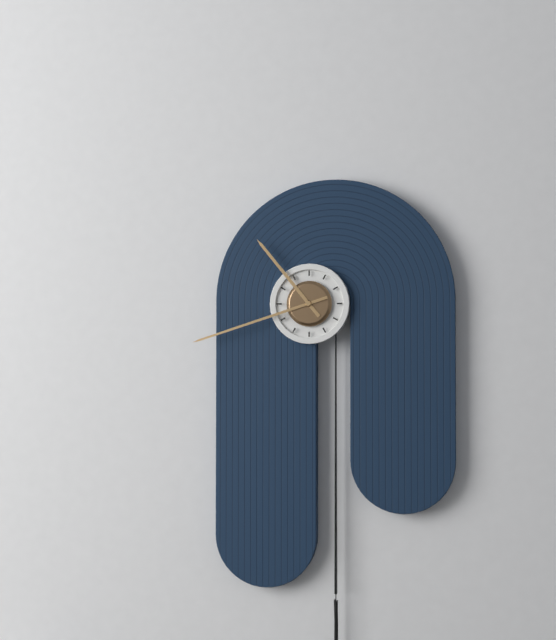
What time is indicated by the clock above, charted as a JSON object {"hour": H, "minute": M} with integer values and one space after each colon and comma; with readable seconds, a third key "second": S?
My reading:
{"hour": 10, "minute": 42}
